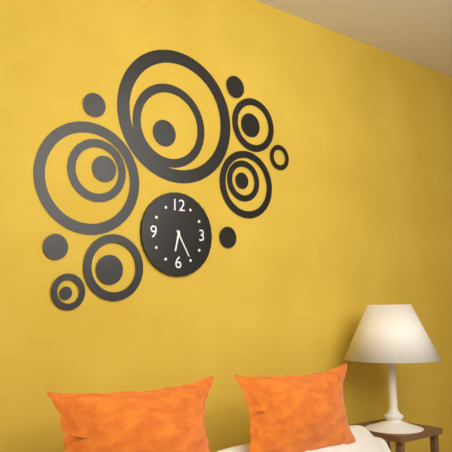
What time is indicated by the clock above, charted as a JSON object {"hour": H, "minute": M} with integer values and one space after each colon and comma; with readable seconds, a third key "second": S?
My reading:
{"hour": 6, "minute": 25}
